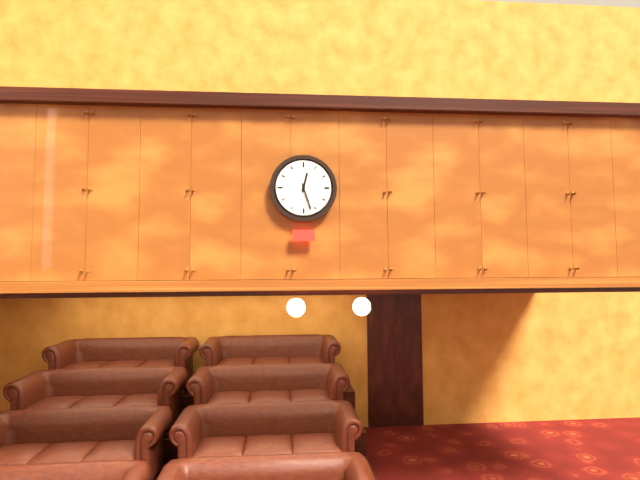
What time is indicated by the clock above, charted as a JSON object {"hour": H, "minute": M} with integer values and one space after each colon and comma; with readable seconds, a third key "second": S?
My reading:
{"hour": 12, "minute": 27}
